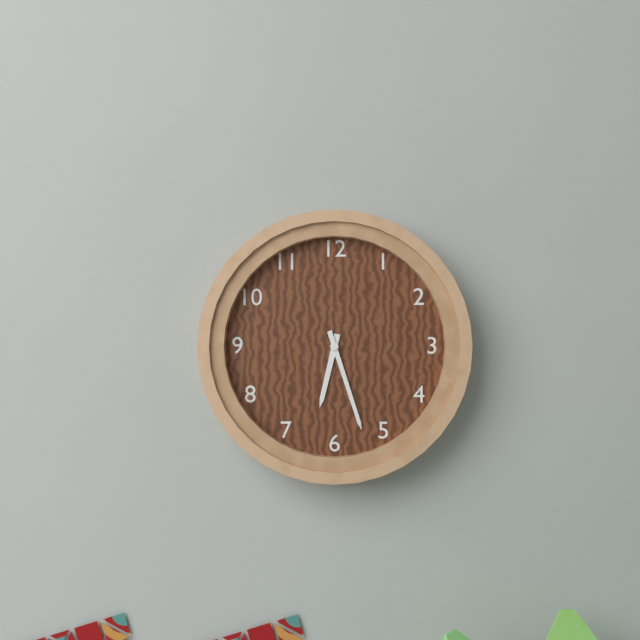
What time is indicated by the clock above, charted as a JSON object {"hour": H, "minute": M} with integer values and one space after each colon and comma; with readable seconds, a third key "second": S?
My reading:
{"hour": 6, "minute": 27}
